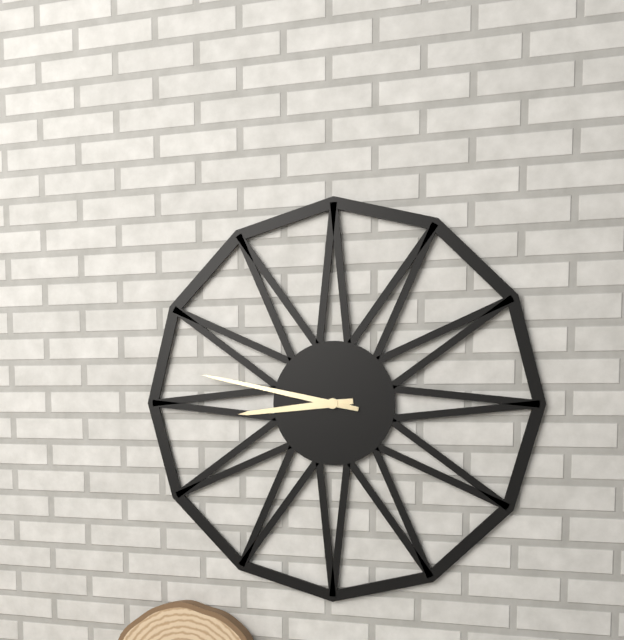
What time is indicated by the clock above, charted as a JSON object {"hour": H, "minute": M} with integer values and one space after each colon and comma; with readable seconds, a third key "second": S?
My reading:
{"hour": 8, "minute": 47}
